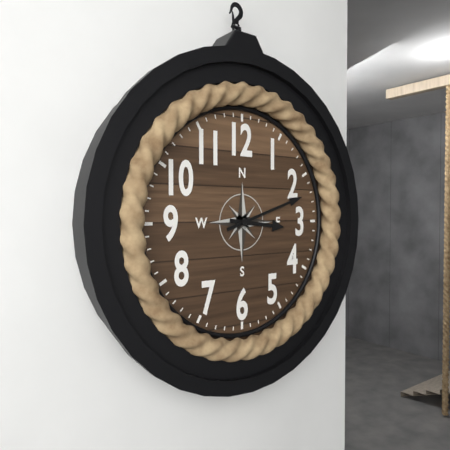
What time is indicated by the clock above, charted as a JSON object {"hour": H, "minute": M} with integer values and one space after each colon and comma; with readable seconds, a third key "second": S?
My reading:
{"hour": 3, "minute": 12}
